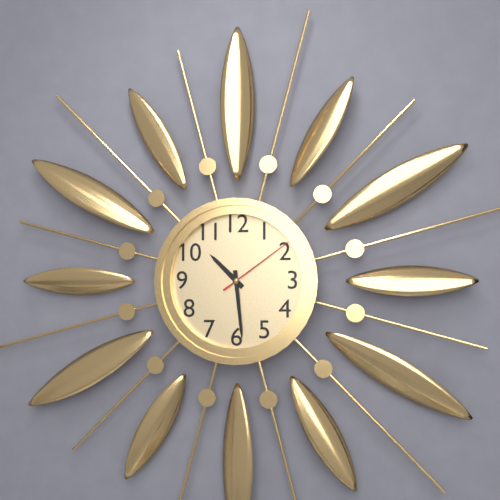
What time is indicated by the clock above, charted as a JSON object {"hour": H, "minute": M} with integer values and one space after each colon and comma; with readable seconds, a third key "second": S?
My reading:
{"hour": 10, "minute": 29, "second": 9}
